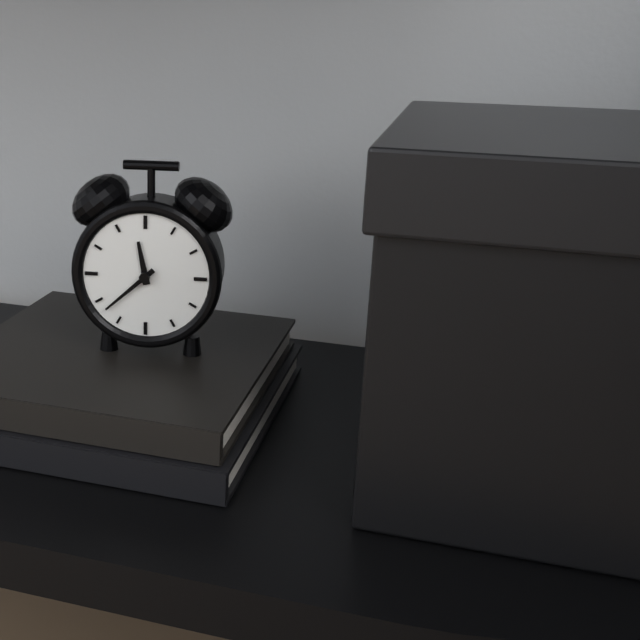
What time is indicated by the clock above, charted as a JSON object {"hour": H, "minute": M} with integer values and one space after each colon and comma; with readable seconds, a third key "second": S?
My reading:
{"hour": 11, "minute": 38}
